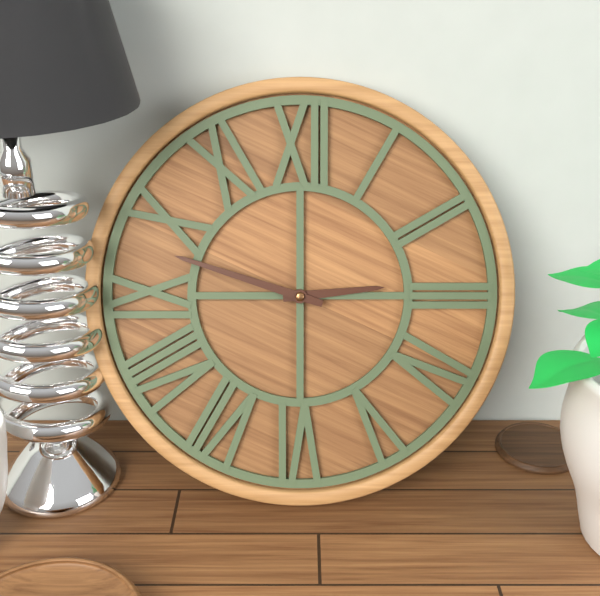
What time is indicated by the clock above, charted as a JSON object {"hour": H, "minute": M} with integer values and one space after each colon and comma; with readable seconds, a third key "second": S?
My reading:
{"hour": 2, "minute": 48}
